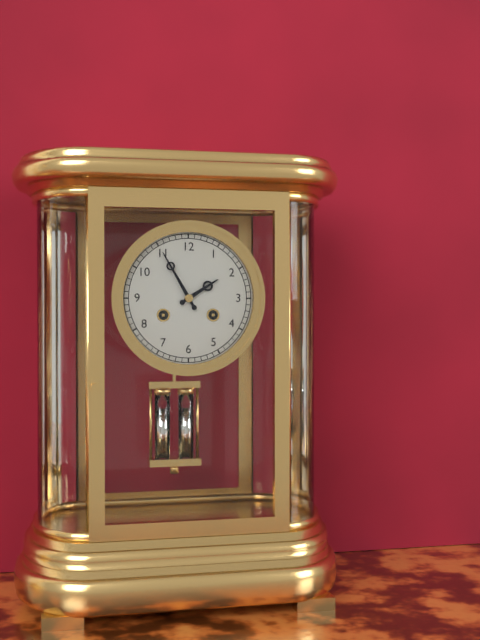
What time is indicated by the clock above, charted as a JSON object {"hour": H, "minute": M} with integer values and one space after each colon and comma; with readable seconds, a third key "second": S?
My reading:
{"hour": 1, "minute": 55}
